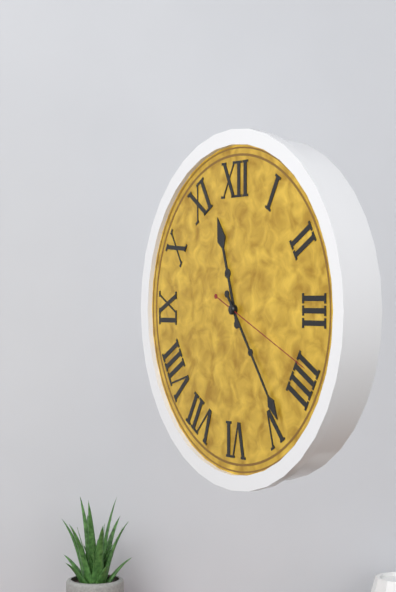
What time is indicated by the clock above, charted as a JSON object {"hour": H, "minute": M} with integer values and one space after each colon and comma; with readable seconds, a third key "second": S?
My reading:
{"hour": 11, "minute": 24, "second": 19}
